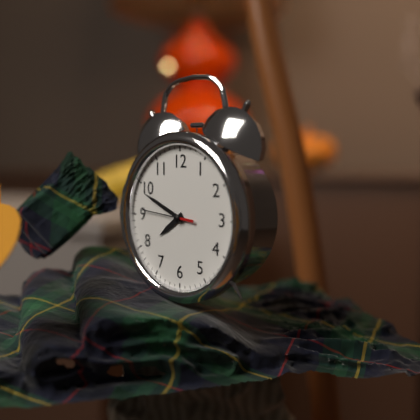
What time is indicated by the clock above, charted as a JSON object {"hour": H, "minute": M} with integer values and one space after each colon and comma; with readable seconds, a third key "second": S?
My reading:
{"hour": 7, "minute": 49}
